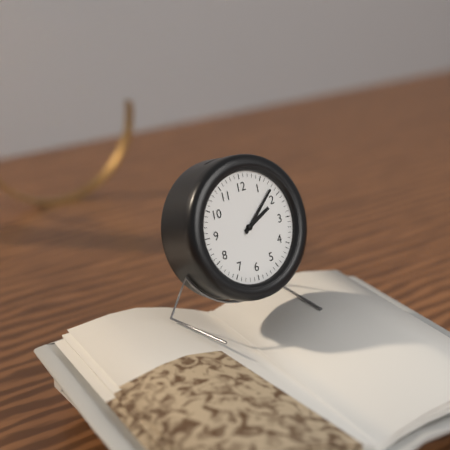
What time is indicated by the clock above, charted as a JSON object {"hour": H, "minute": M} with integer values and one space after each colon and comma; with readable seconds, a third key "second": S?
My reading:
{"hour": 2, "minute": 8}
